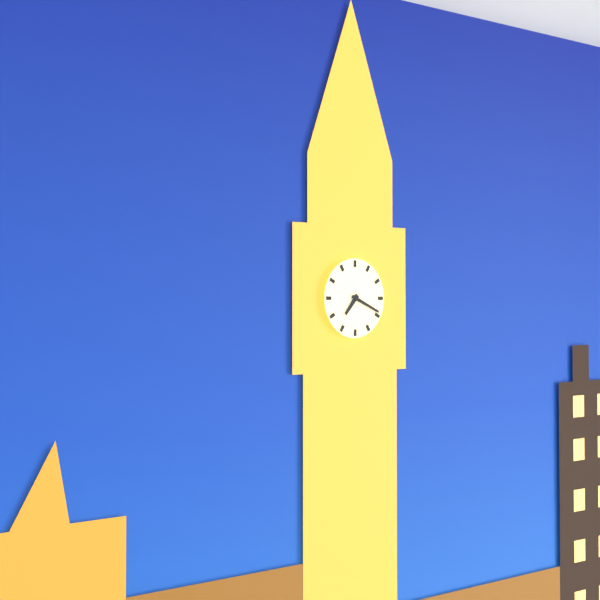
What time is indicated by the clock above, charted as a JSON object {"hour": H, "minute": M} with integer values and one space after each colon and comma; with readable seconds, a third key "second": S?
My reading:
{"hour": 7, "minute": 19}
